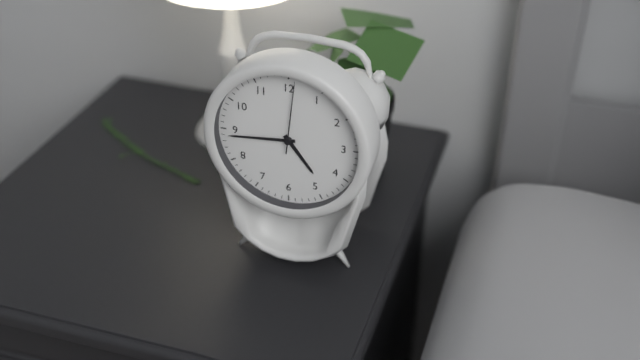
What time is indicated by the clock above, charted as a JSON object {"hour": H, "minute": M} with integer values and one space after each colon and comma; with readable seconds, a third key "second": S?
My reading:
{"hour": 4, "minute": 44, "second": 1}
